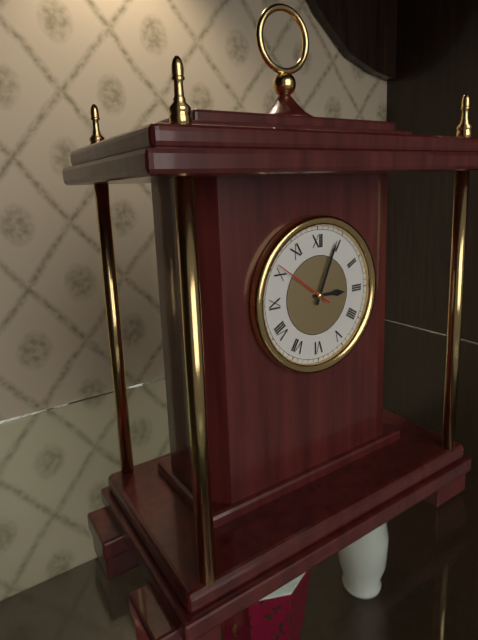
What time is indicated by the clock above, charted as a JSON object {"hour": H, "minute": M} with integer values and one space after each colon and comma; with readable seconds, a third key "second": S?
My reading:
{"hour": 3, "minute": 4, "second": 51}
